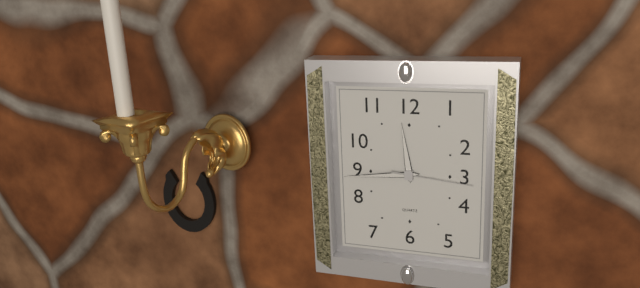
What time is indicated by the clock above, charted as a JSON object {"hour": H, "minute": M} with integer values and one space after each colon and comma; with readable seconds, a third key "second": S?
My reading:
{"hour": 11, "minute": 44, "second": 16}
